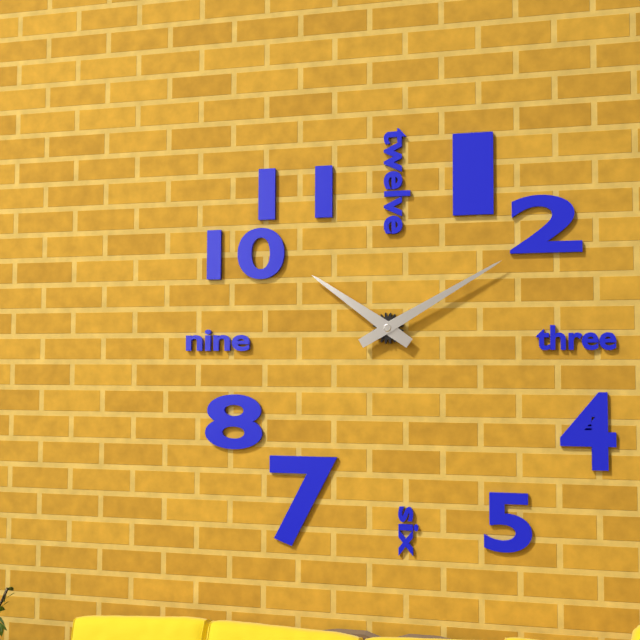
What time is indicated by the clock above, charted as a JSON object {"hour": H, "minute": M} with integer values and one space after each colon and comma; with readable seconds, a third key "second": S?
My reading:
{"hour": 10, "minute": 10}
